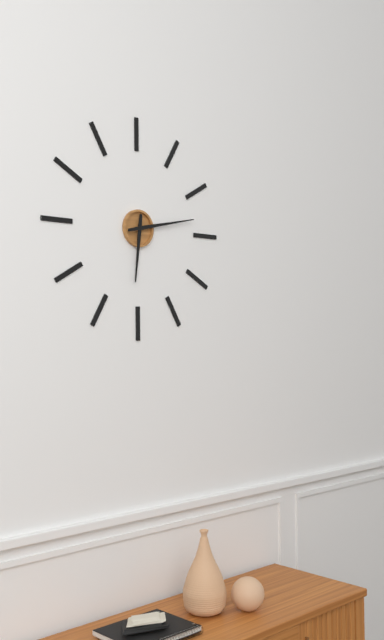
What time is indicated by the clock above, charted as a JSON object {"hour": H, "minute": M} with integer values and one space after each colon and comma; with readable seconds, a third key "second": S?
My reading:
{"hour": 6, "minute": 13}
